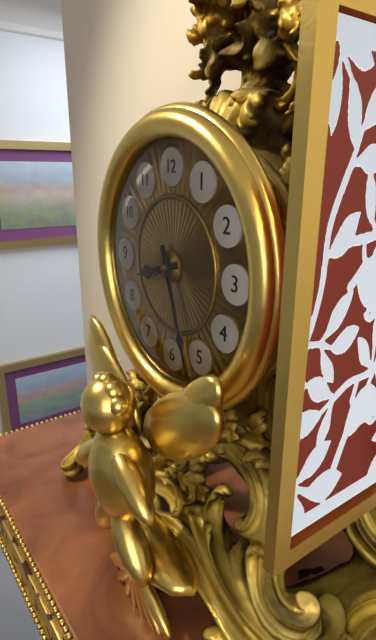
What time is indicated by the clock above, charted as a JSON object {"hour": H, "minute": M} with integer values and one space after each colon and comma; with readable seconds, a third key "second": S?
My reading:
{"hour": 8, "minute": 27}
